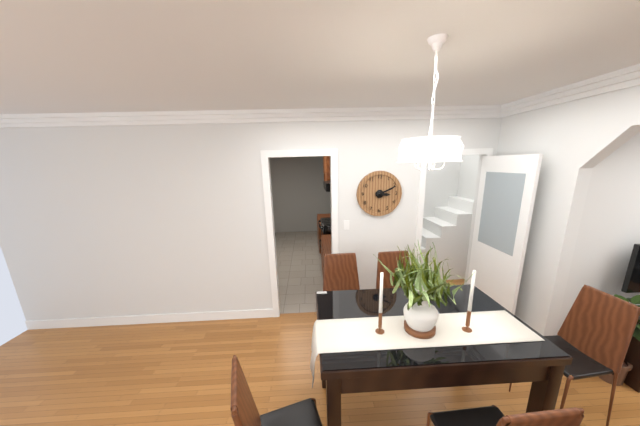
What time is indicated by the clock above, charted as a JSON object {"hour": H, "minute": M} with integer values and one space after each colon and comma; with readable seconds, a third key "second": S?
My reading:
{"hour": 3, "minute": 11}
